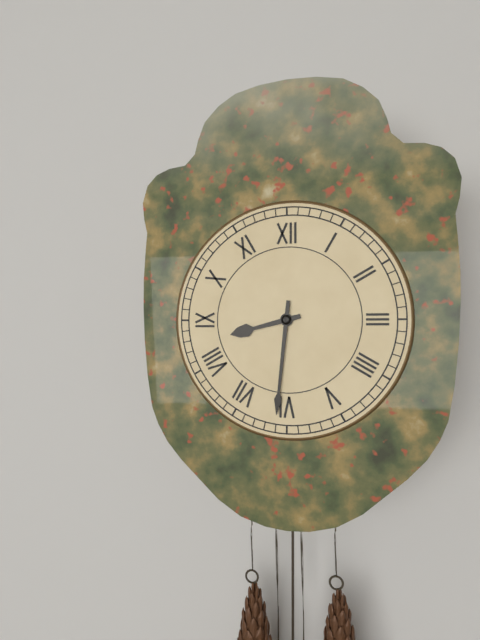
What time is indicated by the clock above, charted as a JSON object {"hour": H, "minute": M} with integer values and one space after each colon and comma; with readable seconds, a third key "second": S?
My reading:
{"hour": 8, "minute": 31}
